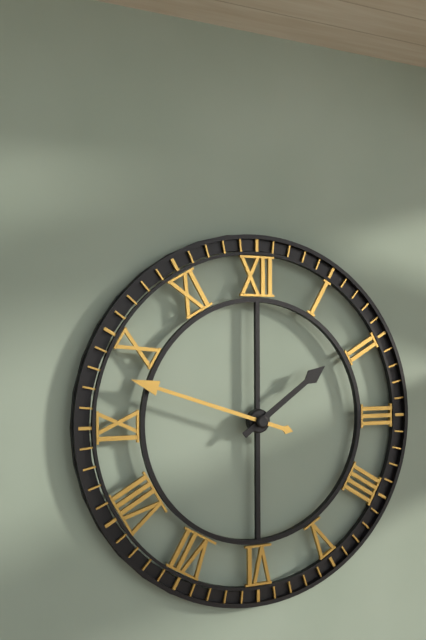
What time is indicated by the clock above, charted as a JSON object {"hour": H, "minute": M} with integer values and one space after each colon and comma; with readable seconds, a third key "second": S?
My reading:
{"hour": 1, "minute": 48}
